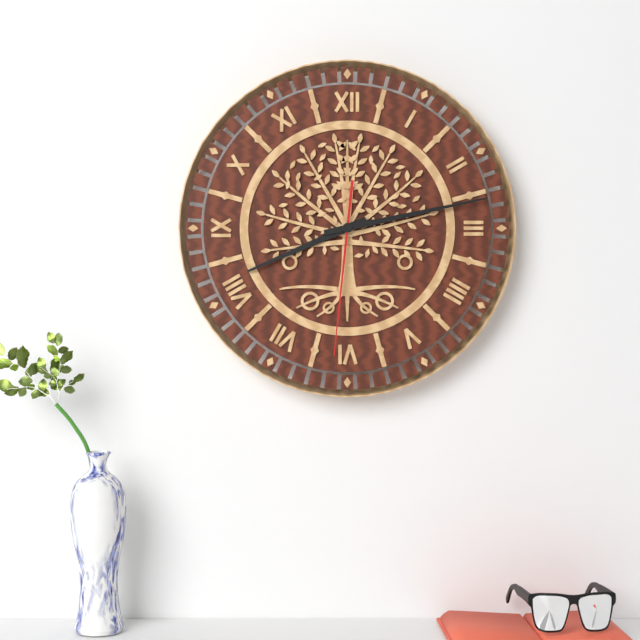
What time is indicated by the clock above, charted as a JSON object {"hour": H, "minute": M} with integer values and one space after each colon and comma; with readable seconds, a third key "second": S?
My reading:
{"hour": 8, "minute": 13, "second": 31}
